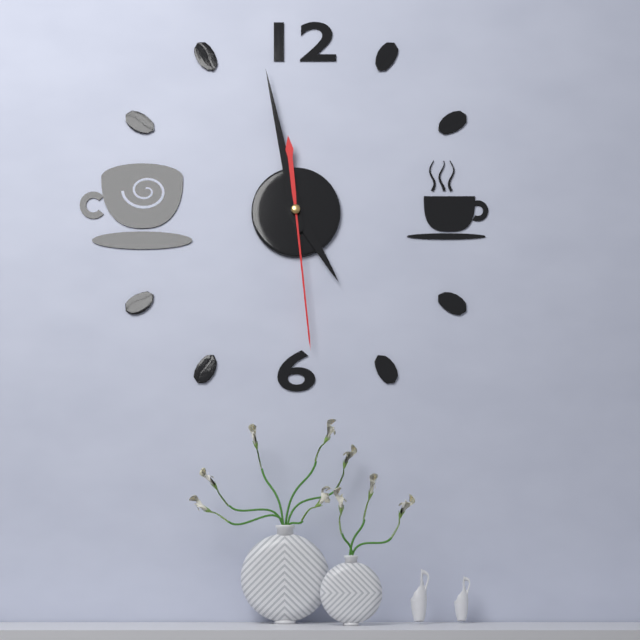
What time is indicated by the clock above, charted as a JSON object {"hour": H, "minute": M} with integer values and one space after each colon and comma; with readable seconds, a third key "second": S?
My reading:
{"hour": 4, "minute": 58, "second": 29}
